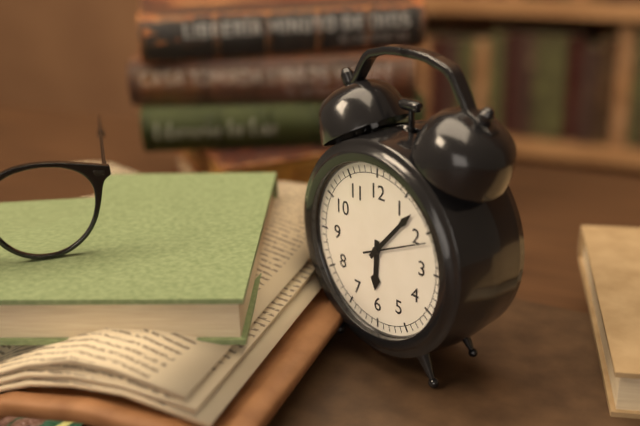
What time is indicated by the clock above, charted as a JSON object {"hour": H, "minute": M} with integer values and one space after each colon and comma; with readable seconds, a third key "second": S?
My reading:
{"hour": 6, "minute": 7, "second": 11}
